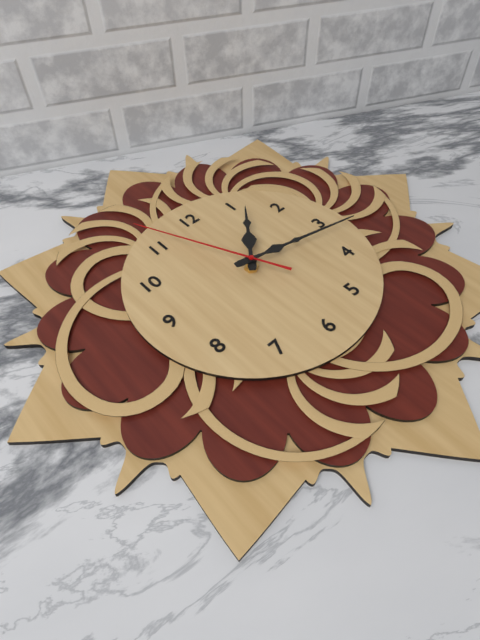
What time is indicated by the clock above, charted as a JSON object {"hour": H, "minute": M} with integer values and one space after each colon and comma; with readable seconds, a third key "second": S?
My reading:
{"hour": 1, "minute": 17, "second": 56}
